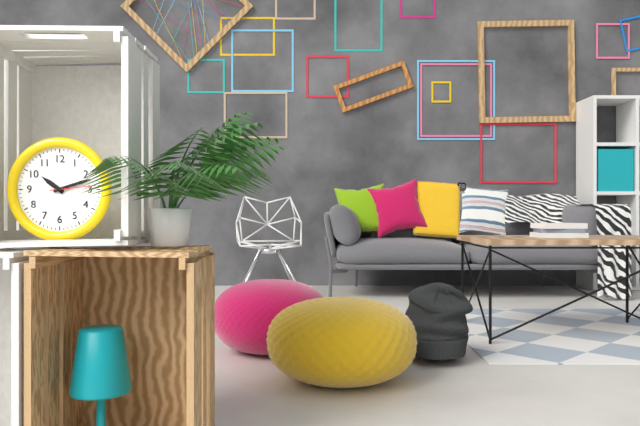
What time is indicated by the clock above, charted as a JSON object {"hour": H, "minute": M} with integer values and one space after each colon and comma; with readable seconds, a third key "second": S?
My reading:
{"hour": 10, "minute": 12}
